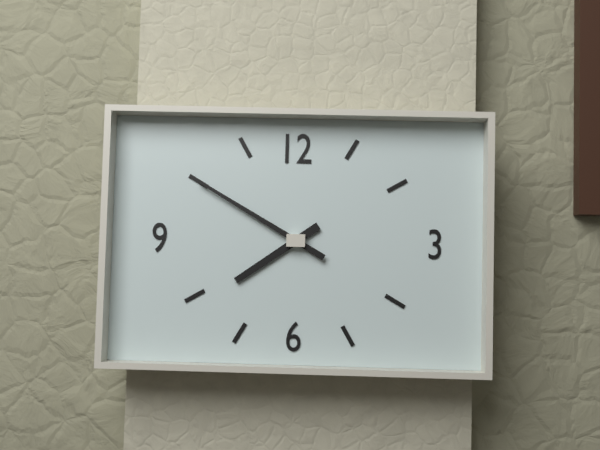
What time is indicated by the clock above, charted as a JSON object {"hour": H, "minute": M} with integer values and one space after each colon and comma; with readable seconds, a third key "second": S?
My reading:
{"hour": 7, "minute": 50}
